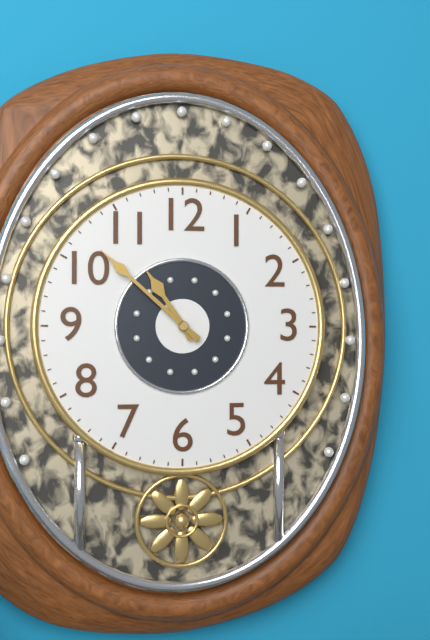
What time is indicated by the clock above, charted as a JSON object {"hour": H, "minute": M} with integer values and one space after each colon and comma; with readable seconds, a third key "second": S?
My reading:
{"hour": 10, "minute": 52}
